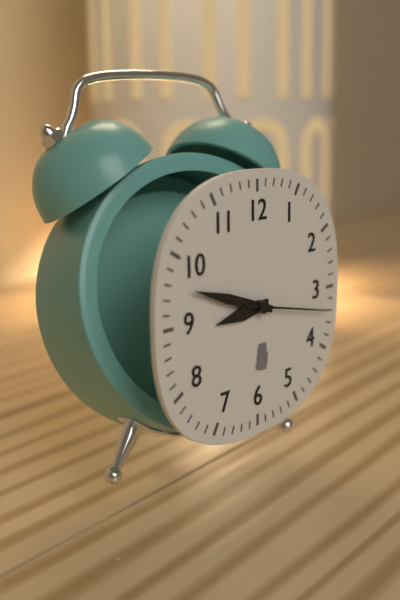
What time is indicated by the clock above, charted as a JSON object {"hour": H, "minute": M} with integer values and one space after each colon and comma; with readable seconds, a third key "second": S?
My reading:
{"hour": 8, "minute": 48, "second": 17}
